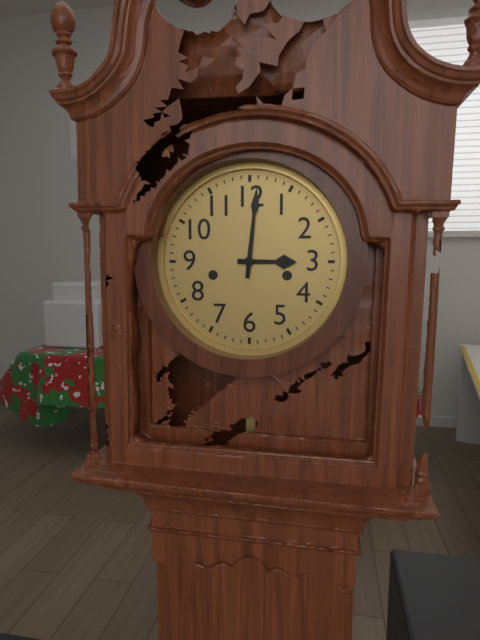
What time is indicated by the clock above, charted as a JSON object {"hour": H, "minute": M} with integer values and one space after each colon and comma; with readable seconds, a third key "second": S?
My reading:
{"hour": 3, "minute": 1}
